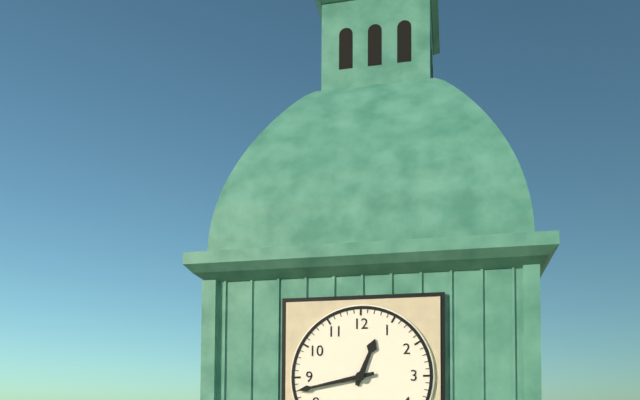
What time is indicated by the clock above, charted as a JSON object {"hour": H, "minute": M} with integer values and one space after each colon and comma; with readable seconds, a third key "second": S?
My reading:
{"hour": 12, "minute": 43}
